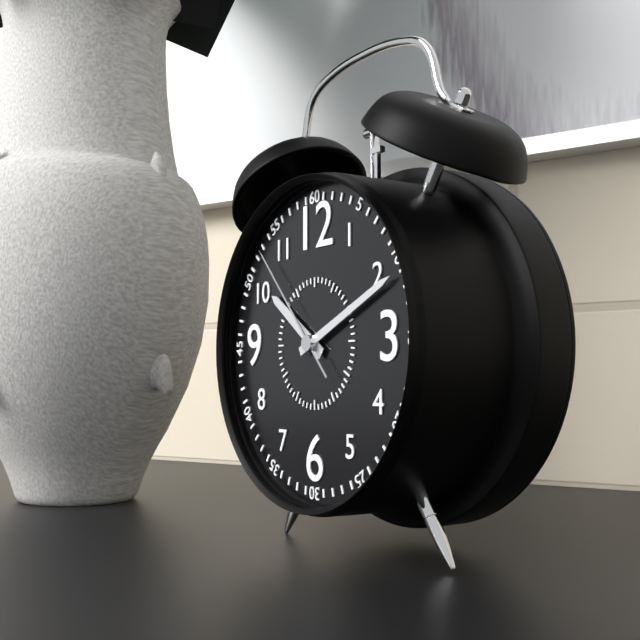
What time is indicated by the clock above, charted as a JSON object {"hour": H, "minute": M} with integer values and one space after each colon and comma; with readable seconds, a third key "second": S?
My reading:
{"hour": 10, "minute": 11, "second": 53}
